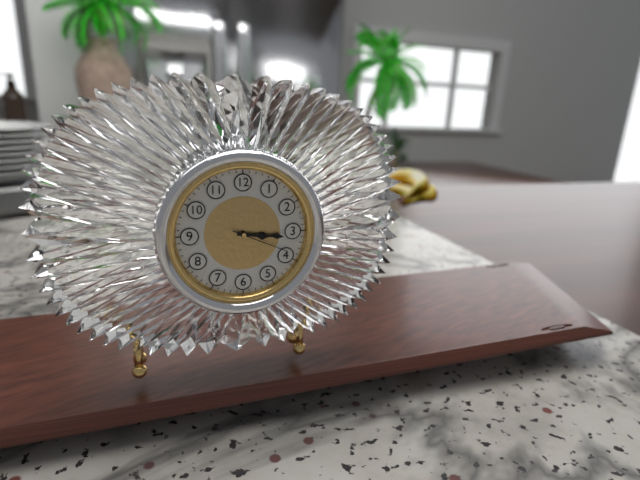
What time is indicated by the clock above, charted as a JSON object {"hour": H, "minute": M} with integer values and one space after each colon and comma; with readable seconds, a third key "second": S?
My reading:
{"hour": 3, "minute": 16, "second": 19}
